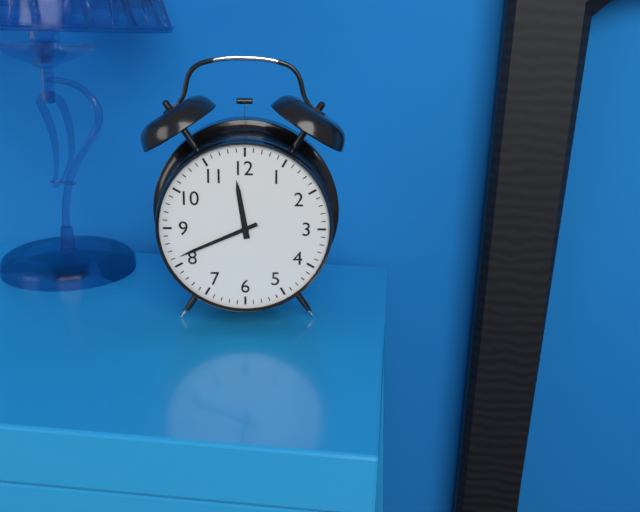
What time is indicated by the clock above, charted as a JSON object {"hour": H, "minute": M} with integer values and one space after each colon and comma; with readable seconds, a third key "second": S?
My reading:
{"hour": 11, "minute": 41}
